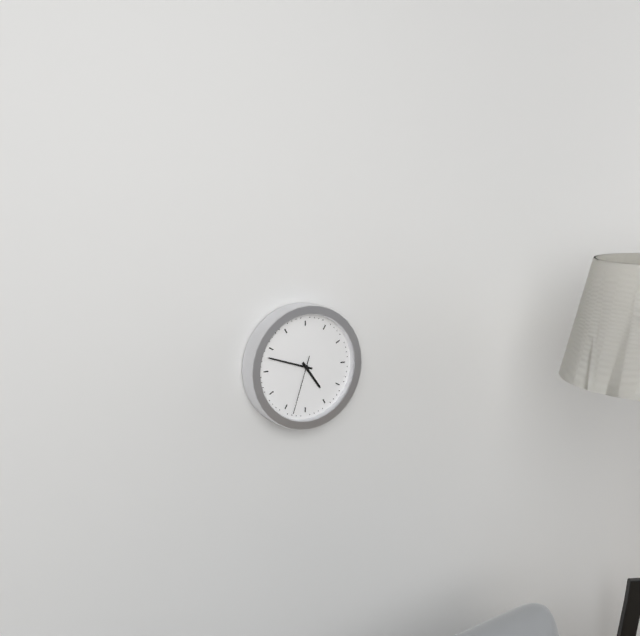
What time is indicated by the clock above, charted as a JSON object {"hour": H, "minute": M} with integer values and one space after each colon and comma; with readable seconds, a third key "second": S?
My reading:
{"hour": 4, "minute": 48, "second": 33}
